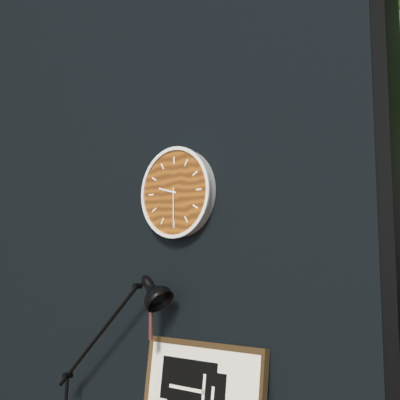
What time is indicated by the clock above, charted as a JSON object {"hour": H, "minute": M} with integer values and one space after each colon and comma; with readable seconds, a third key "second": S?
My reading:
{"hour": 9, "minute": 30}
